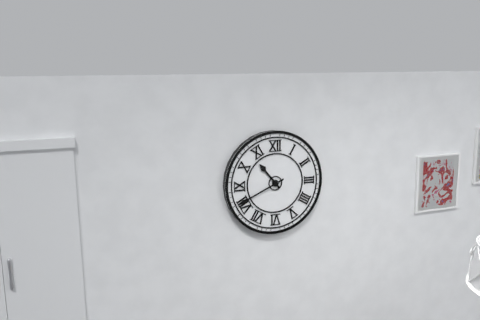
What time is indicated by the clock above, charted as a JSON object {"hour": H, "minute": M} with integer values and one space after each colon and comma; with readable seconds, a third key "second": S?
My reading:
{"hour": 10, "minute": 41}
